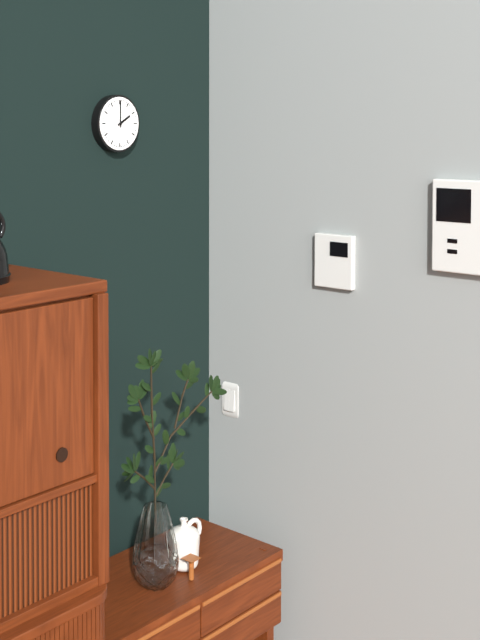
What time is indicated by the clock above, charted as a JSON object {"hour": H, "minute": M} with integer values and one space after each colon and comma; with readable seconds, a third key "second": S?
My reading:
{"hour": 2, "minute": 0}
